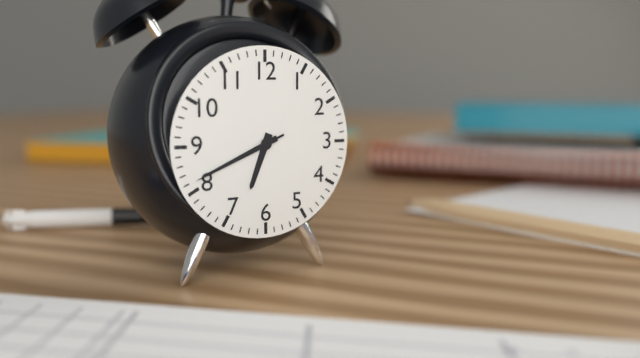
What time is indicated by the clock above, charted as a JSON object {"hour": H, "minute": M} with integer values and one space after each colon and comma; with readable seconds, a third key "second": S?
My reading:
{"hour": 6, "minute": 41, "second": 41}
